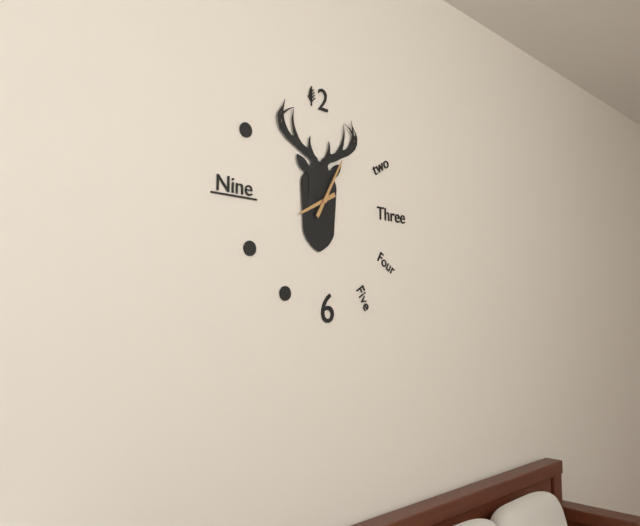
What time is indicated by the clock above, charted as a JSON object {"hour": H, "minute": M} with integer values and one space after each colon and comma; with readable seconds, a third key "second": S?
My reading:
{"hour": 8, "minute": 5}
